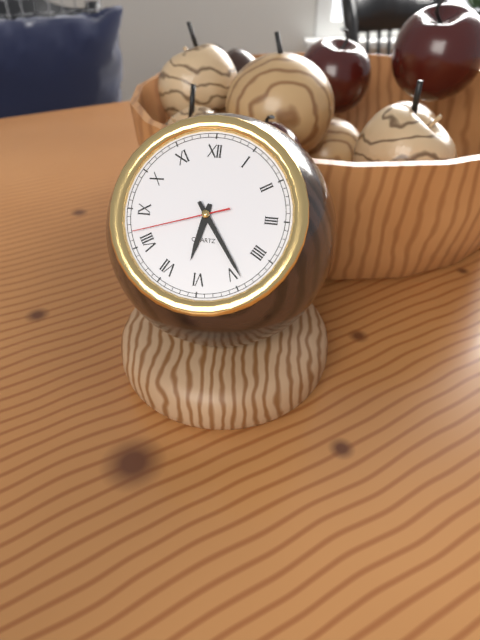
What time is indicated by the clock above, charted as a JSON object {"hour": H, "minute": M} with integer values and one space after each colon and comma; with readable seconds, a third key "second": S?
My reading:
{"hour": 6, "minute": 24, "second": 42}
